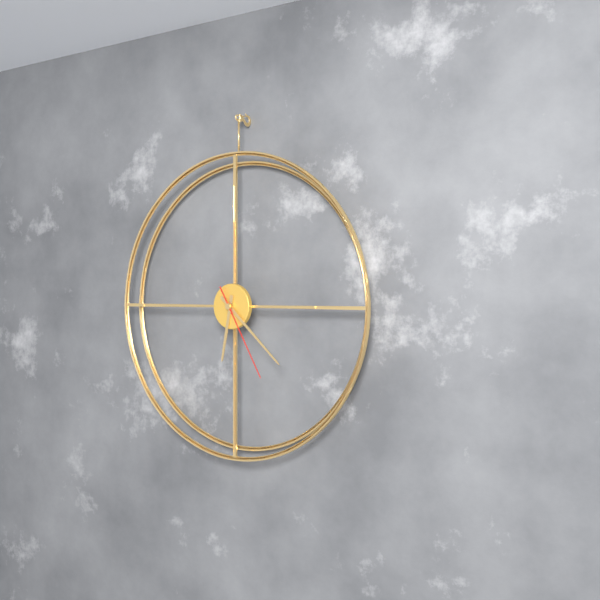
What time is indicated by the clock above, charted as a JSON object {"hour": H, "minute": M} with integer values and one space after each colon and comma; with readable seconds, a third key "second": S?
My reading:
{"hour": 6, "minute": 22, "second": 25}
